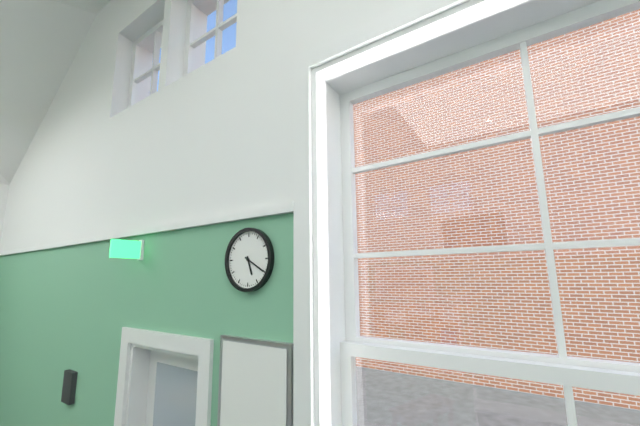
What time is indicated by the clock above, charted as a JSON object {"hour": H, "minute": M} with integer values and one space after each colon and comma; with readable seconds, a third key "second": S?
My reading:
{"hour": 5, "minute": 20}
